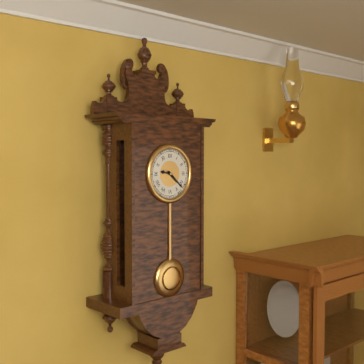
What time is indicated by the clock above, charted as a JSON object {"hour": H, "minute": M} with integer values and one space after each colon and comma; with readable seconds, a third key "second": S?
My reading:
{"hour": 9, "minute": 22}
